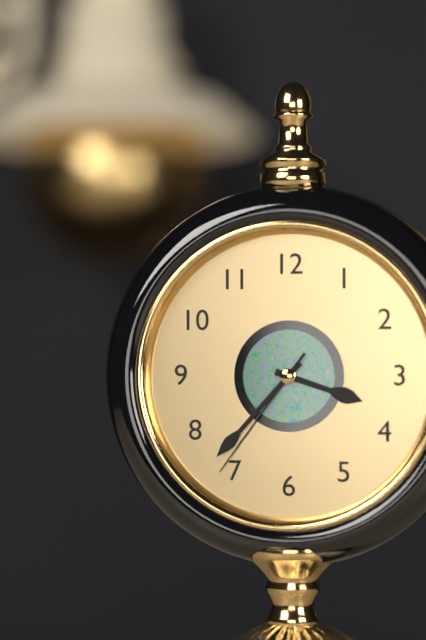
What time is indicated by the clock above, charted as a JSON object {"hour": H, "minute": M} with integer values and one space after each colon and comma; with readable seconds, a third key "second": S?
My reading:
{"hour": 3, "minute": 37, "second": 36}
